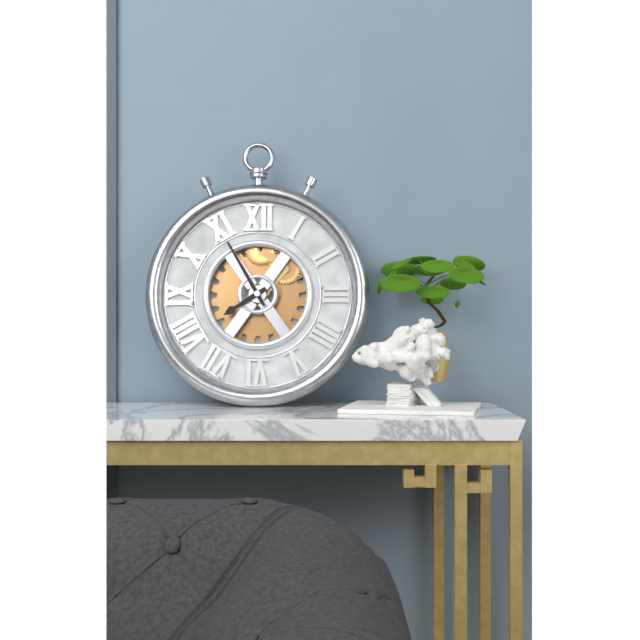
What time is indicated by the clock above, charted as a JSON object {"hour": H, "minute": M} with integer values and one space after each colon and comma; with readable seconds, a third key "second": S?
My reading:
{"hour": 7, "minute": 55}
